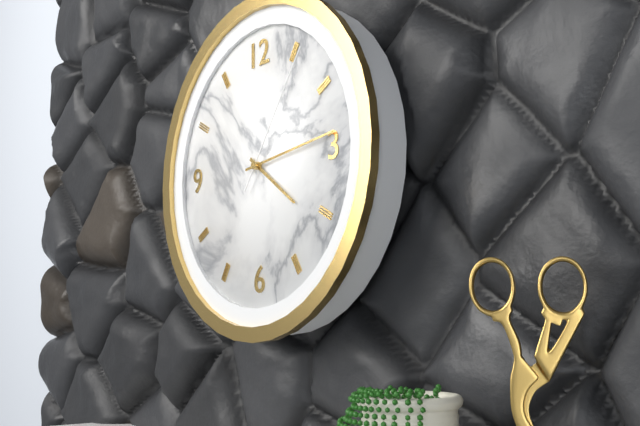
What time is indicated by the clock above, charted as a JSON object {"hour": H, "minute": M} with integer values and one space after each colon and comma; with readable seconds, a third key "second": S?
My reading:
{"hour": 4, "minute": 14, "second": 6}
